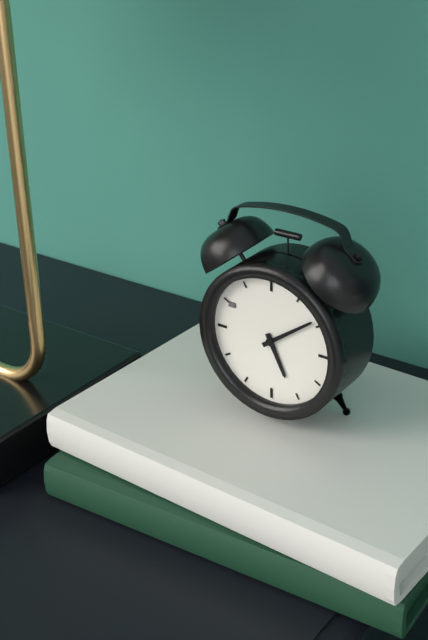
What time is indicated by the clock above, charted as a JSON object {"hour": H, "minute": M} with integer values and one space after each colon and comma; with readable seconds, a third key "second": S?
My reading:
{"hour": 5, "minute": 9}
